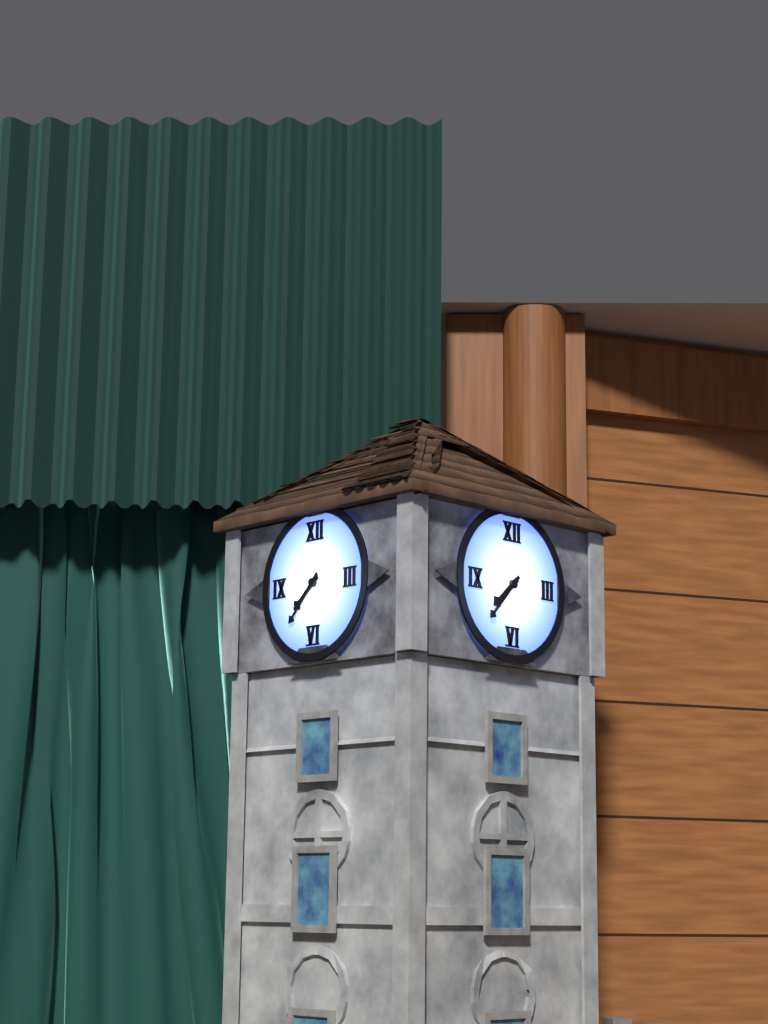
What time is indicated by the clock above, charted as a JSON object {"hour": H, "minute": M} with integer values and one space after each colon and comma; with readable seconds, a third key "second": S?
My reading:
{"hour": 7, "minute": 37}
